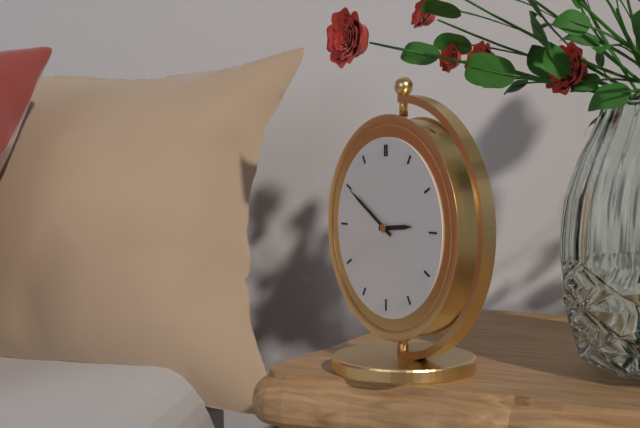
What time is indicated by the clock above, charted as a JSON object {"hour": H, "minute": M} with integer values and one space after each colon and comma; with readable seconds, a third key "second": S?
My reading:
{"hour": 2, "minute": 50}
